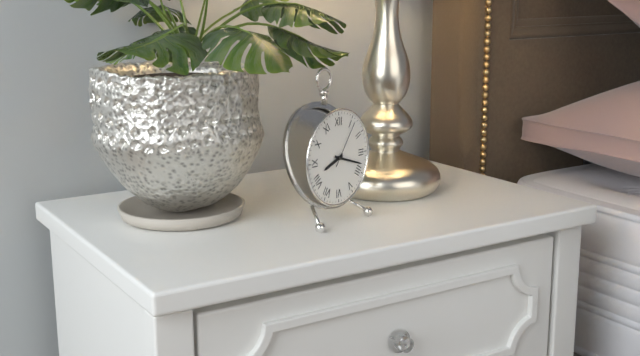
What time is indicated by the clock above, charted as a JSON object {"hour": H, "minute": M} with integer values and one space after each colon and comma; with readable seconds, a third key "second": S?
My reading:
{"hour": 8, "minute": 18}
